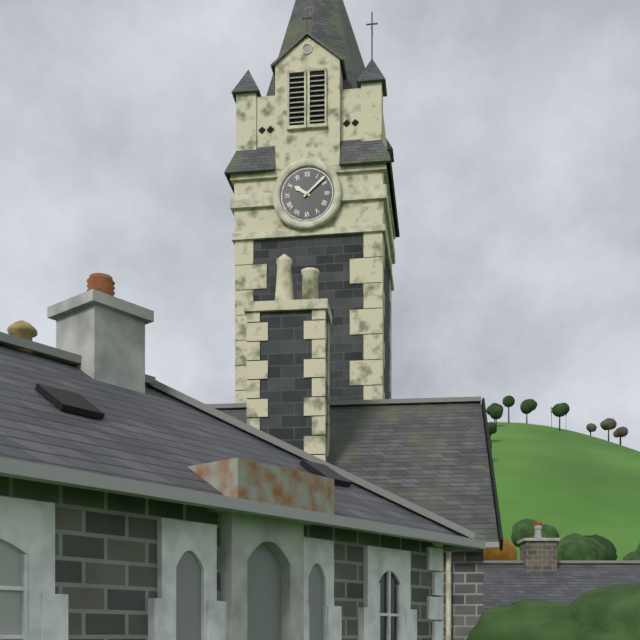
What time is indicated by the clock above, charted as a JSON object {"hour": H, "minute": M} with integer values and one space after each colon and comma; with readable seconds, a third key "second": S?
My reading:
{"hour": 10, "minute": 8}
